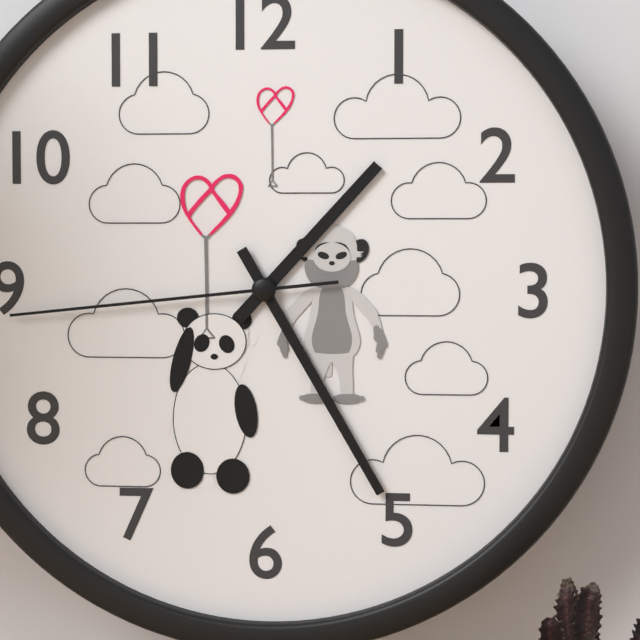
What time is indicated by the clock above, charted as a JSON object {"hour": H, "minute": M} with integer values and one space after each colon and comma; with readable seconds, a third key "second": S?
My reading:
{"hour": 1, "minute": 25, "second": 44}
